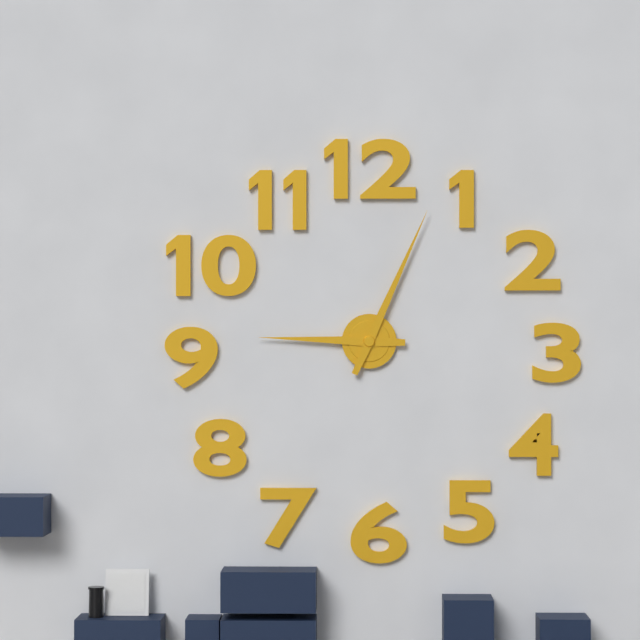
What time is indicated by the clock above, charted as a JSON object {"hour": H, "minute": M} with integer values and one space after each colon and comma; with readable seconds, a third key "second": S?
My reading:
{"hour": 9, "minute": 4}
